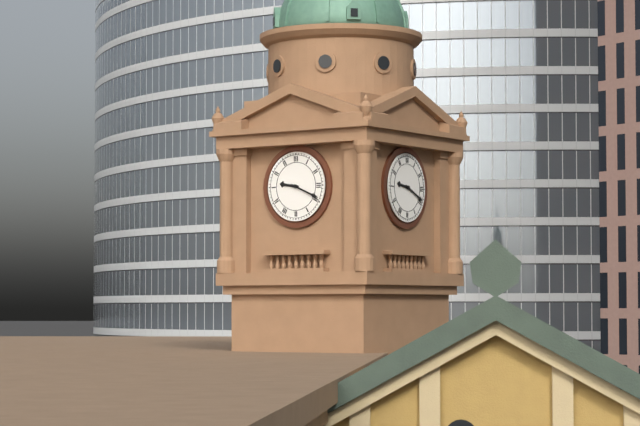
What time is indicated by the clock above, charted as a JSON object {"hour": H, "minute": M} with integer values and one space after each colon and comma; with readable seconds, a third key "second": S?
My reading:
{"hour": 9, "minute": 19}
